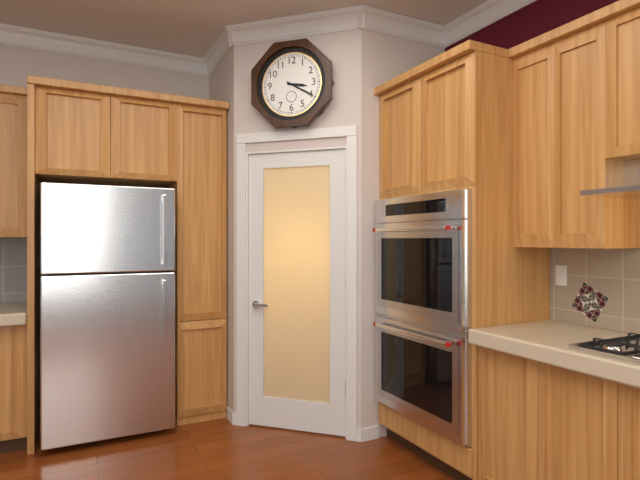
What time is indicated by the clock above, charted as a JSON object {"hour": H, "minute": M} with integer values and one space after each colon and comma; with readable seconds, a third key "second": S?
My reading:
{"hour": 3, "minute": 20}
